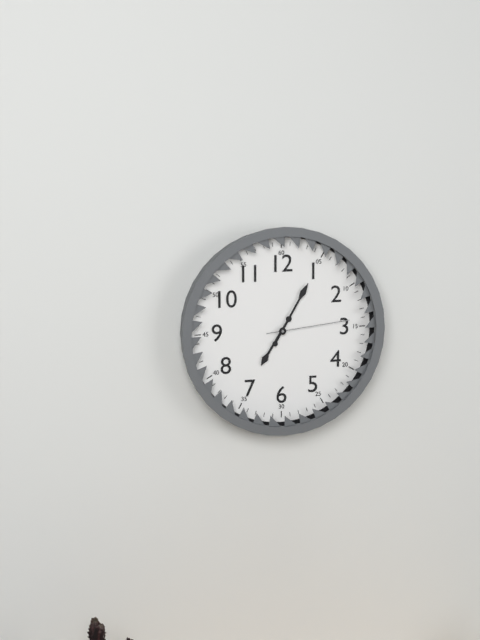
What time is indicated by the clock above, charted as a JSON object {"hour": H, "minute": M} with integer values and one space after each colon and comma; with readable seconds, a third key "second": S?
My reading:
{"hour": 7, "minute": 5, "second": 14}
